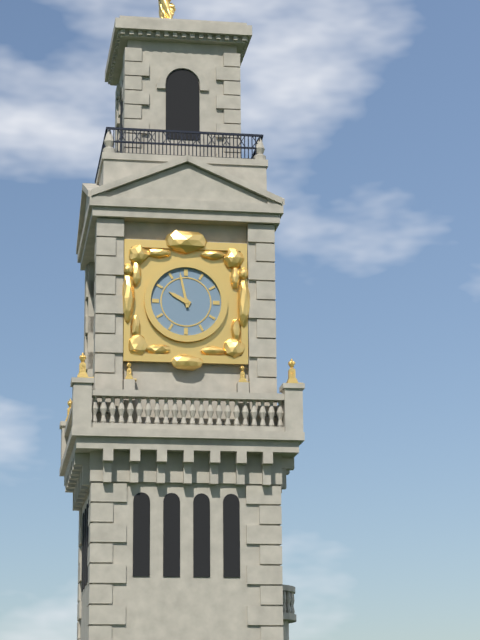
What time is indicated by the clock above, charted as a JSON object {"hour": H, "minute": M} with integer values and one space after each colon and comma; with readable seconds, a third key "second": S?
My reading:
{"hour": 9, "minute": 58}
